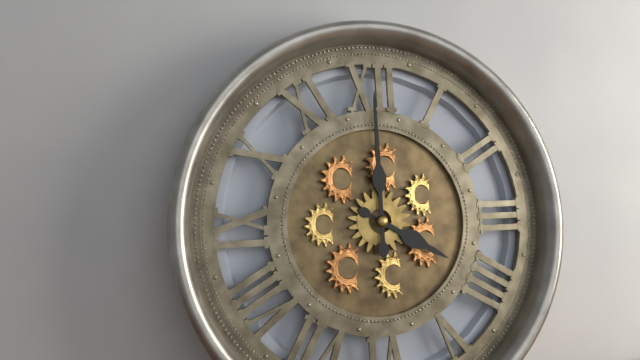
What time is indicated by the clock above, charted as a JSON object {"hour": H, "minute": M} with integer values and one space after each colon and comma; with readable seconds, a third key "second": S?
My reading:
{"hour": 4, "minute": 0}
